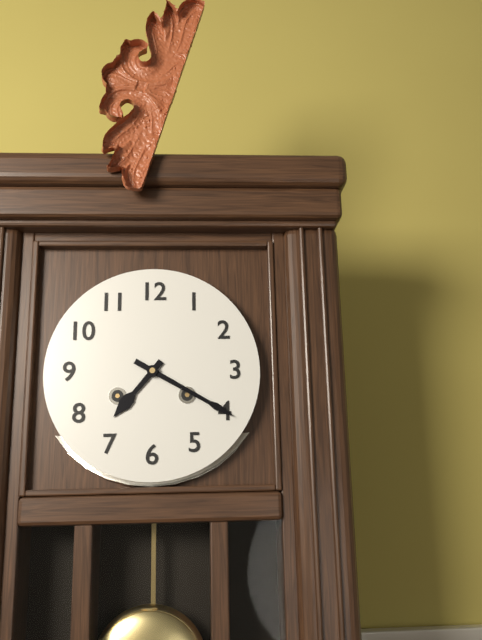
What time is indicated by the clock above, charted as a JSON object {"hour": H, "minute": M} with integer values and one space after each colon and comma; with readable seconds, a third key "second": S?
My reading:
{"hour": 7, "minute": 20}
